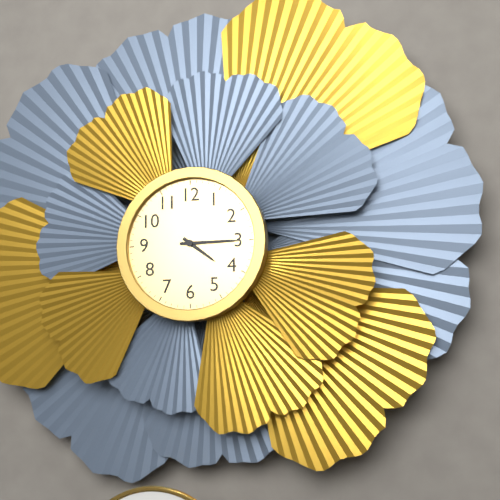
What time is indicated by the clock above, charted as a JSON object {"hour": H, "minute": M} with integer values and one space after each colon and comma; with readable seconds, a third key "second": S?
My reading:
{"hour": 4, "minute": 15}
